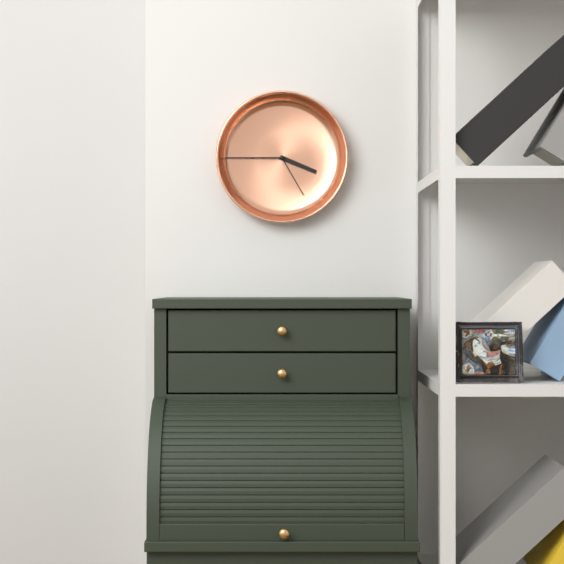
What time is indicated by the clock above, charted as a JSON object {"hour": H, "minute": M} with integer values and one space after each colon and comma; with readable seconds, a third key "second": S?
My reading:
{"hour": 3, "minute": 45, "second": 25}
